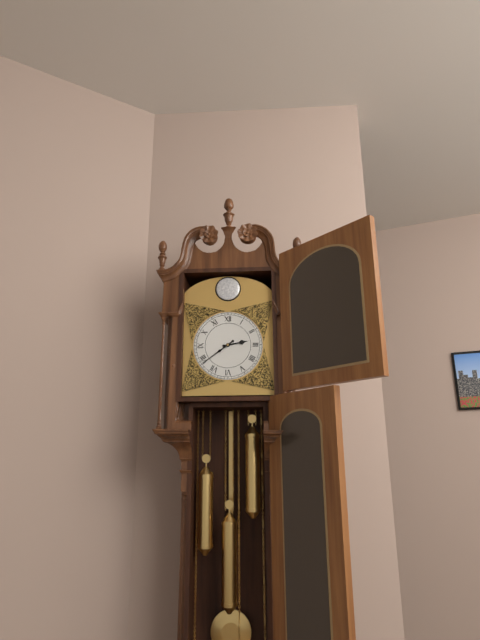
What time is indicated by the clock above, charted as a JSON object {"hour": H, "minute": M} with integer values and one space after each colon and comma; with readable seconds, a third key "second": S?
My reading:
{"hour": 2, "minute": 39}
